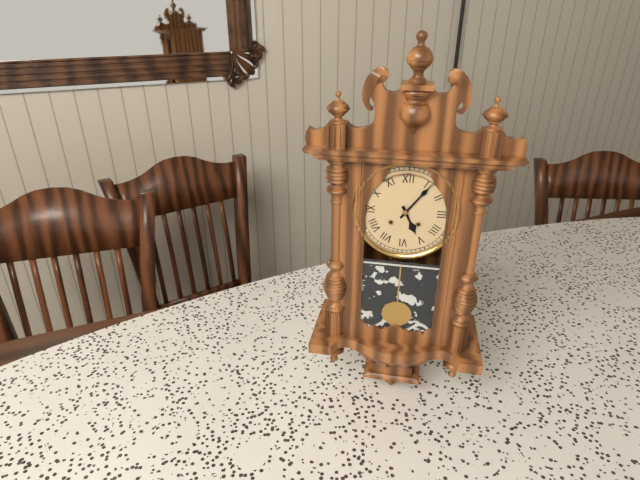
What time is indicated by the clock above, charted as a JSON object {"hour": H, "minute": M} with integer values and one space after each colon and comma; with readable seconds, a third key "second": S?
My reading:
{"hour": 5, "minute": 6}
